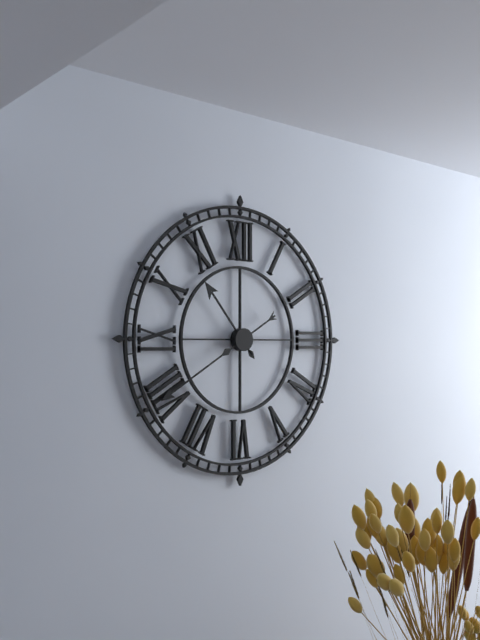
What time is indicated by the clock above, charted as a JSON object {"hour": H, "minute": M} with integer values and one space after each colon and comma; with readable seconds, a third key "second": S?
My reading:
{"hour": 10, "minute": 40}
